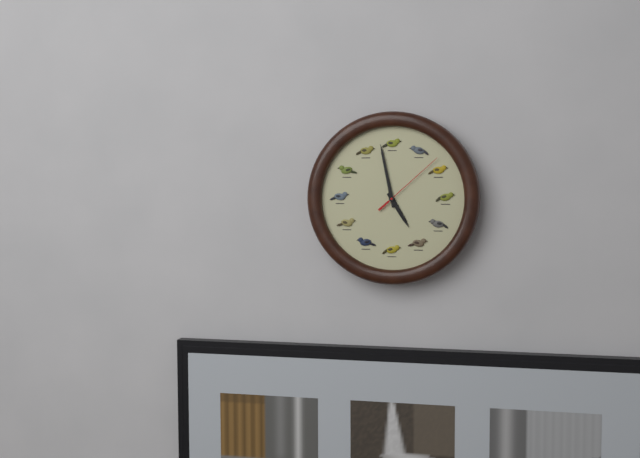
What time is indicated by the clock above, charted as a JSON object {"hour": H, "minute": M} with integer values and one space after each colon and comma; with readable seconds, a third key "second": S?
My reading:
{"hour": 4, "minute": 58, "second": 8}
